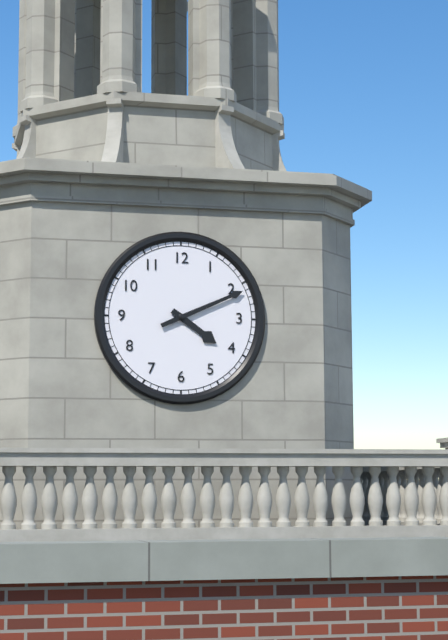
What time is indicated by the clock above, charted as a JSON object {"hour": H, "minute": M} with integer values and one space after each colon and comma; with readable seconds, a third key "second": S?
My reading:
{"hour": 4, "minute": 11}
